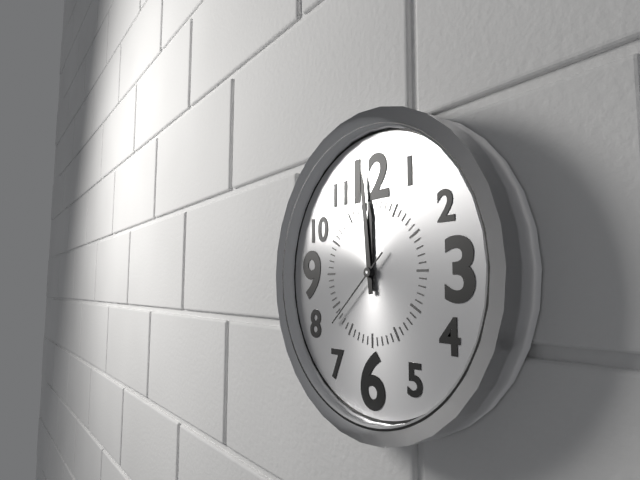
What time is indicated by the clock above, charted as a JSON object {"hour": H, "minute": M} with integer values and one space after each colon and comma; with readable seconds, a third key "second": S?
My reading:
{"hour": 11, "minute": 59, "second": 38}
